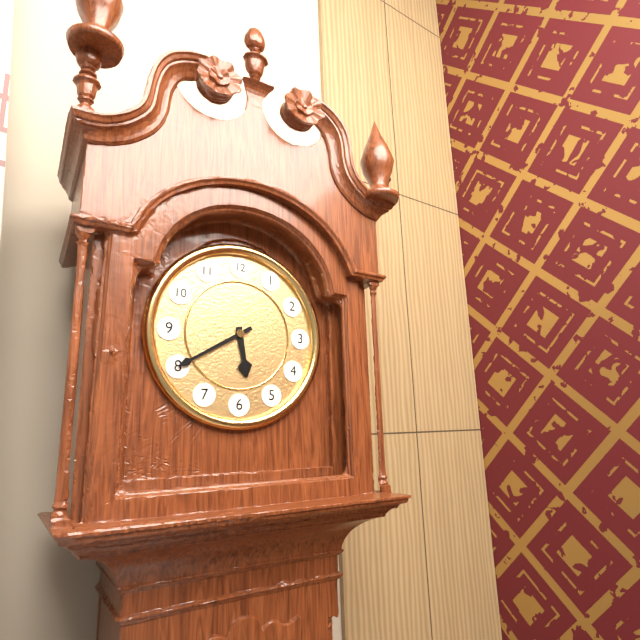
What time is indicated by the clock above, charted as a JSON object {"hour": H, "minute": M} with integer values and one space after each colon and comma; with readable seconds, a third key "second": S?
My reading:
{"hour": 5, "minute": 40}
